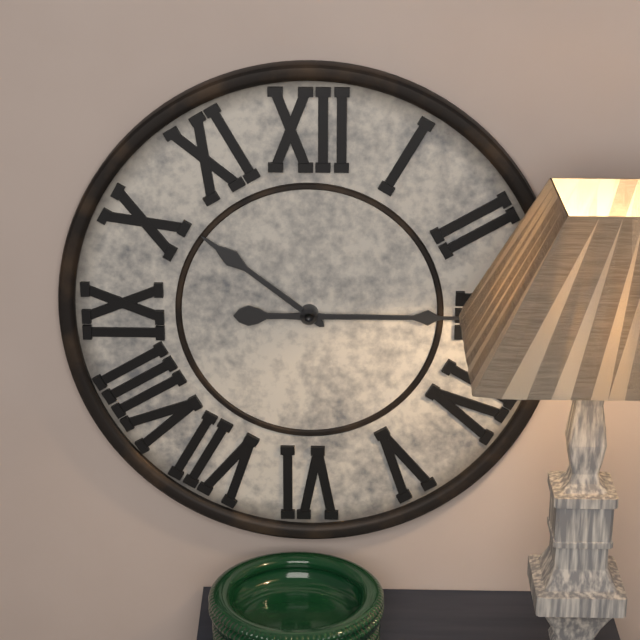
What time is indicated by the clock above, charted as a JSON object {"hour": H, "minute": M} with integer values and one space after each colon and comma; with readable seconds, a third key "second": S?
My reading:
{"hour": 10, "minute": 15}
